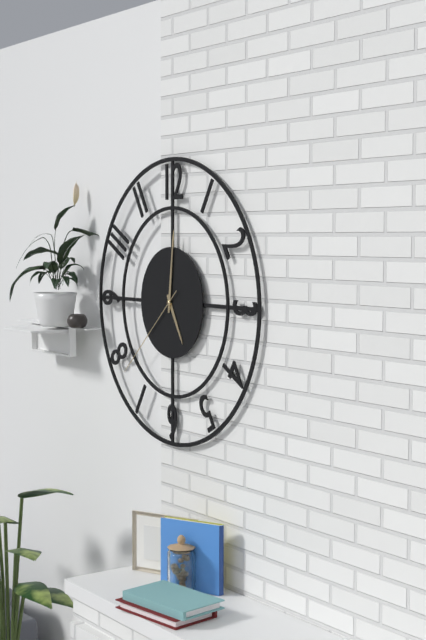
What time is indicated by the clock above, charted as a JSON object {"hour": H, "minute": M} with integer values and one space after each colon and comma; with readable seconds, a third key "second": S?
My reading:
{"hour": 5, "minute": 1, "second": 38}
